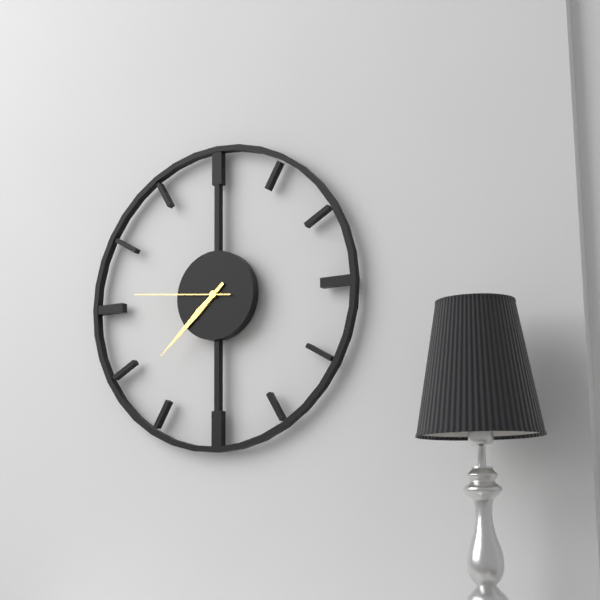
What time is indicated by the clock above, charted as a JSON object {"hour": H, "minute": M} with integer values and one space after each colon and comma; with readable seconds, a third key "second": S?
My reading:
{"hour": 7, "minute": 38, "second": 46}
